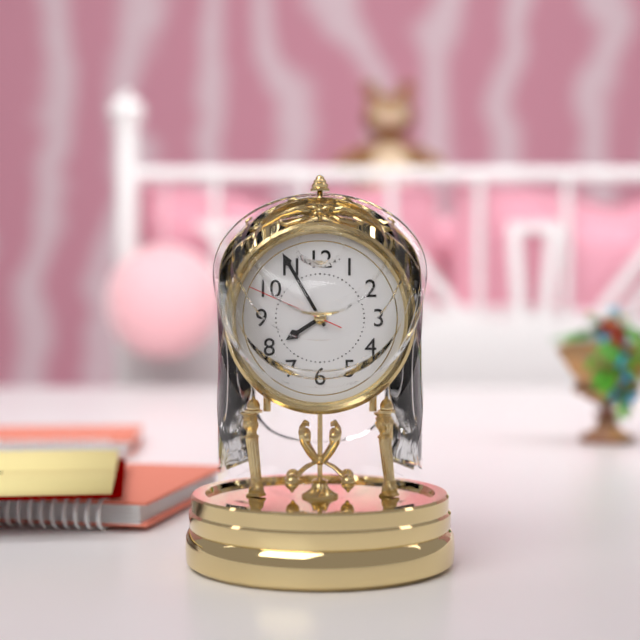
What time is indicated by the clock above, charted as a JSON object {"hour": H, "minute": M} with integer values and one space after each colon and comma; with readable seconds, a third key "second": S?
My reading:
{"hour": 7, "minute": 55, "second": 49}
